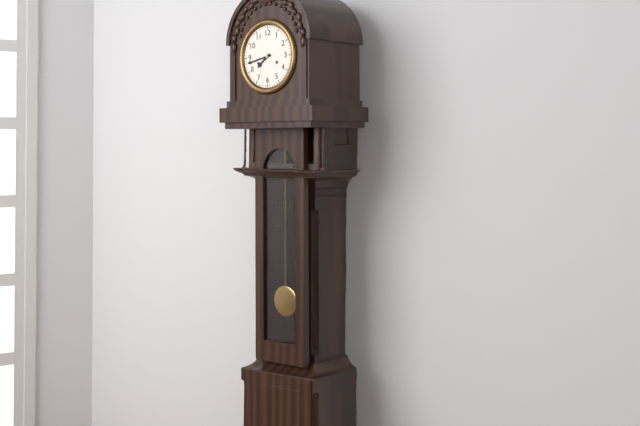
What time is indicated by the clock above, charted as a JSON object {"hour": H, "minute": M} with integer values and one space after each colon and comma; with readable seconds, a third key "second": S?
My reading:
{"hour": 7, "minute": 43}
